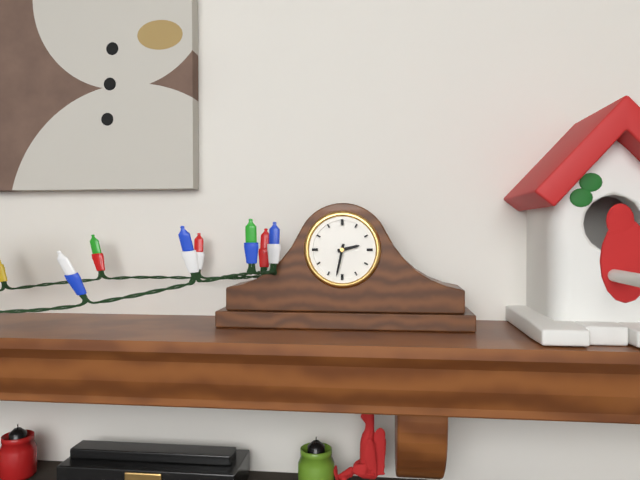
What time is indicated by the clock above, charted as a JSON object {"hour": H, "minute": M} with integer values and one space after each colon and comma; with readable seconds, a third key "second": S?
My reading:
{"hour": 2, "minute": 32}
